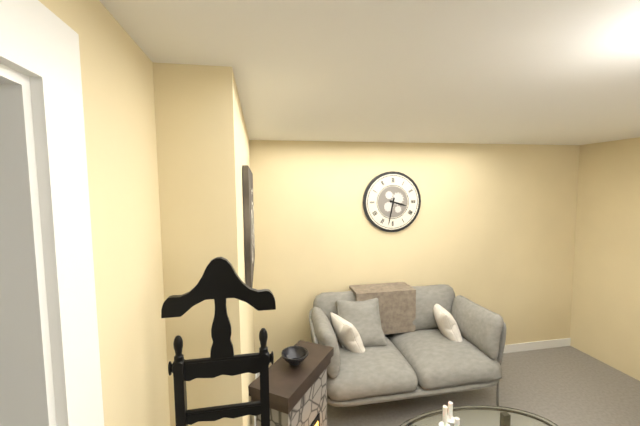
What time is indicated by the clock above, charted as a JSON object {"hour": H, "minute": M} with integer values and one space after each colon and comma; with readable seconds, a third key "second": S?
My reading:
{"hour": 3, "minute": 32}
